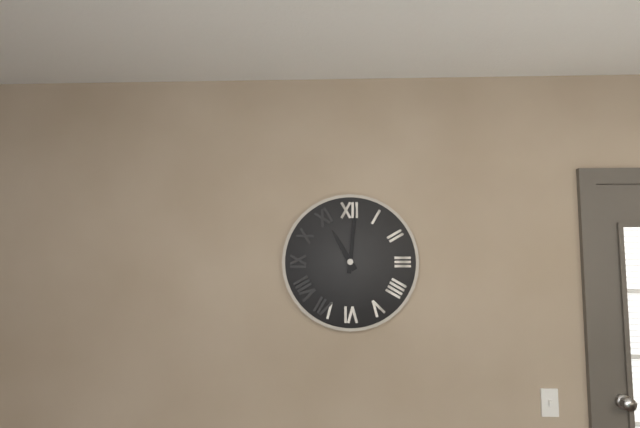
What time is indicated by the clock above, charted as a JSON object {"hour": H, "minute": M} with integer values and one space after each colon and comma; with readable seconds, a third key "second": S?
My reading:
{"hour": 11, "minute": 1}
